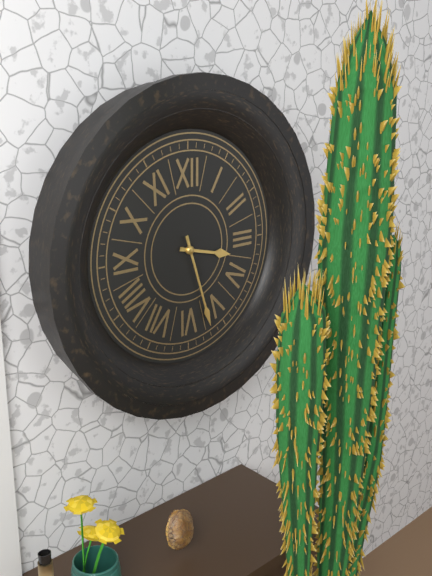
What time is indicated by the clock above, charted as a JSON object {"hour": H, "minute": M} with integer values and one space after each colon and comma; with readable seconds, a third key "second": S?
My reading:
{"hour": 3, "minute": 27}
